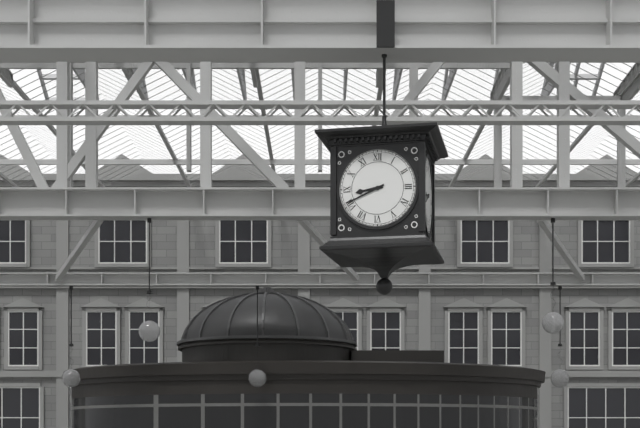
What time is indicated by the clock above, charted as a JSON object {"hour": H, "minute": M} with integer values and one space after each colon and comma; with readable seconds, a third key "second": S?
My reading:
{"hour": 8, "minute": 41}
